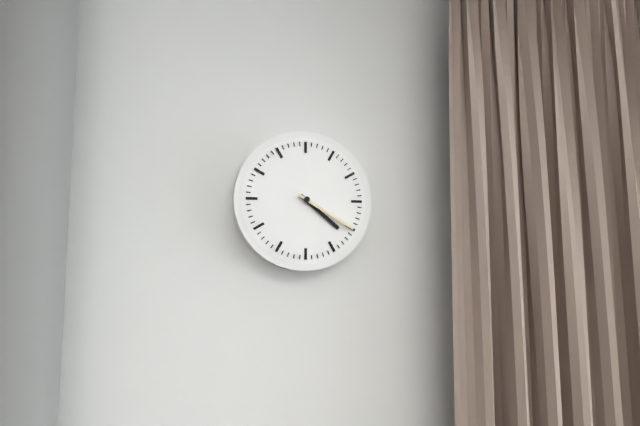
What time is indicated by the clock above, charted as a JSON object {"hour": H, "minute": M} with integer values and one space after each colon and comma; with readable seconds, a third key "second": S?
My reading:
{"hour": 4, "minute": 20}
